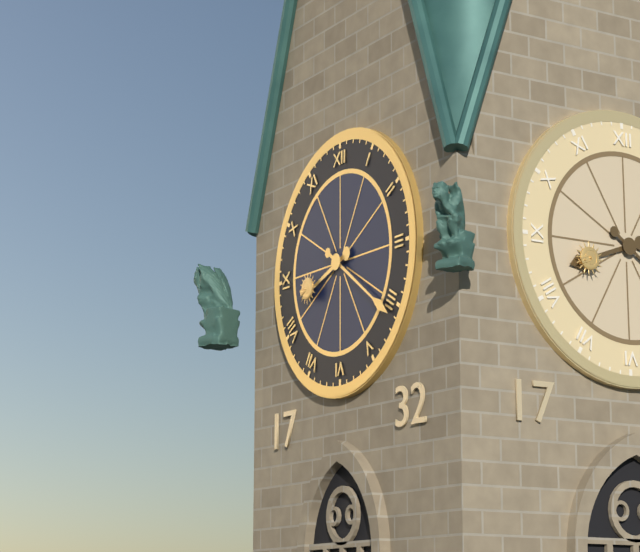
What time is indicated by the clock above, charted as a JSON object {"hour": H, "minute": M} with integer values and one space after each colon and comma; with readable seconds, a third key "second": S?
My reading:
{"hour": 8, "minute": 21}
